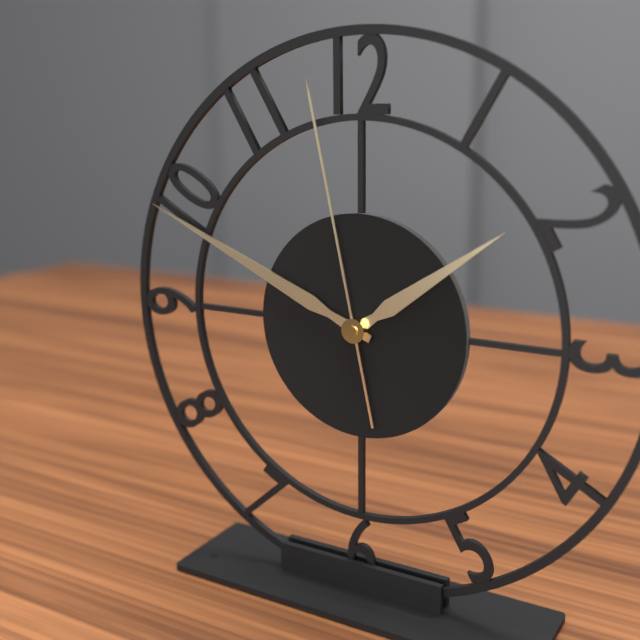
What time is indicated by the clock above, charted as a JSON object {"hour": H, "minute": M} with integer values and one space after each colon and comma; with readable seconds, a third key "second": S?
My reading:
{"hour": 1, "minute": 49, "second": 58}
